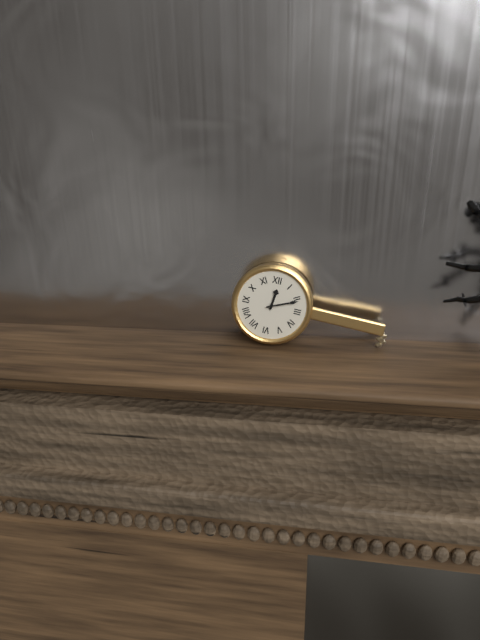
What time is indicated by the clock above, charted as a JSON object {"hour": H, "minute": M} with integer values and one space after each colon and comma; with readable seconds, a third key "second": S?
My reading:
{"hour": 12, "minute": 11}
